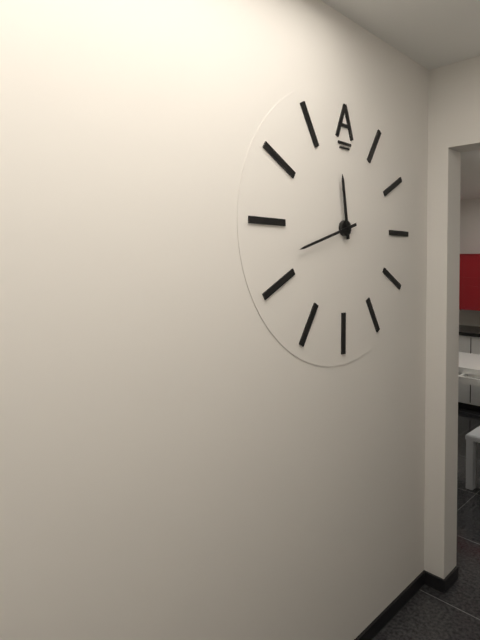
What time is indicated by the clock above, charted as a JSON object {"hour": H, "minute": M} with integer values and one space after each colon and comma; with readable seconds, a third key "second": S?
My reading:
{"hour": 11, "minute": 42}
